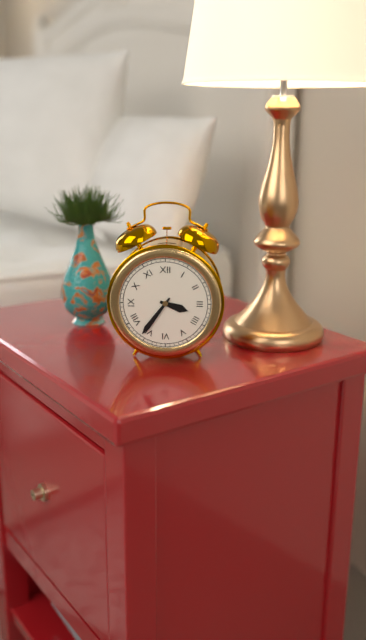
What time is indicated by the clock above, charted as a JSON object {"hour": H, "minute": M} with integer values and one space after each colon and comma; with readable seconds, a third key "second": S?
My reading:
{"hour": 3, "minute": 36}
